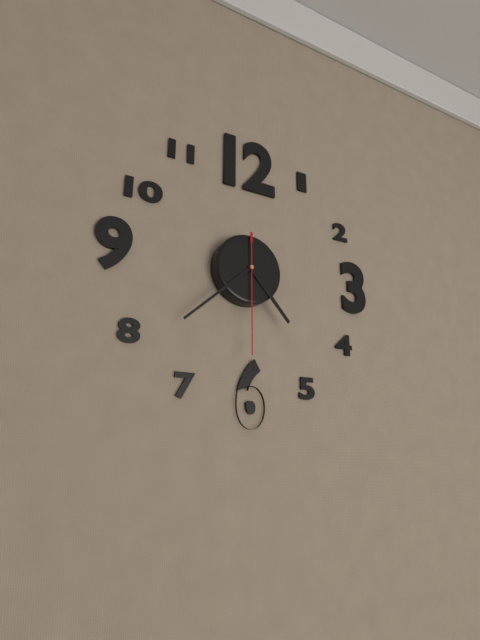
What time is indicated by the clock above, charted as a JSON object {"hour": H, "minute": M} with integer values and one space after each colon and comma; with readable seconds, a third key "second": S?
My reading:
{"hour": 4, "minute": 38, "second": 30}
